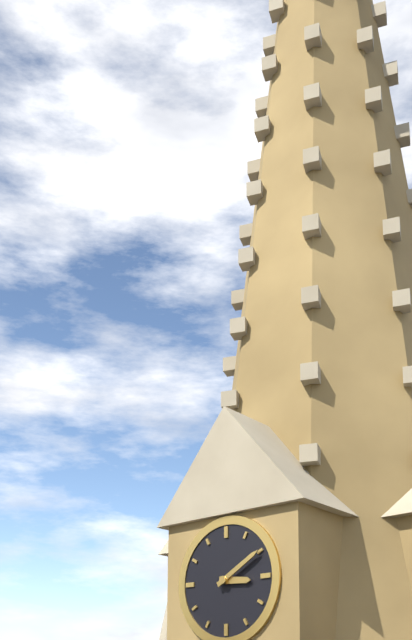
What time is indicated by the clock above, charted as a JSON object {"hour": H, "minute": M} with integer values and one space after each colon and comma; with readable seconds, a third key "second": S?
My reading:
{"hour": 3, "minute": 10}
